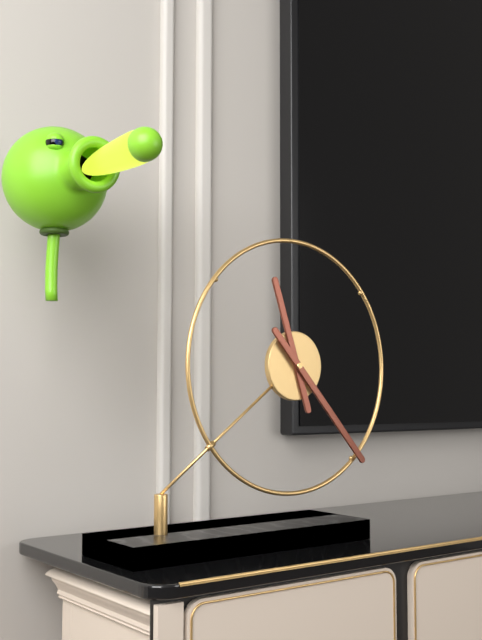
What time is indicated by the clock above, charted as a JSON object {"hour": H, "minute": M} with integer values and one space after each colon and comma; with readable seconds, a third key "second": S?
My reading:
{"hour": 11, "minute": 23}
